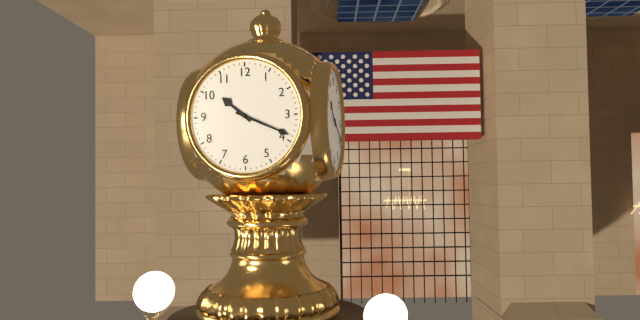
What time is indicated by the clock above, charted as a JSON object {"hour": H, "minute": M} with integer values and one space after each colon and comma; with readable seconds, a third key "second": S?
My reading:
{"hour": 10, "minute": 19}
